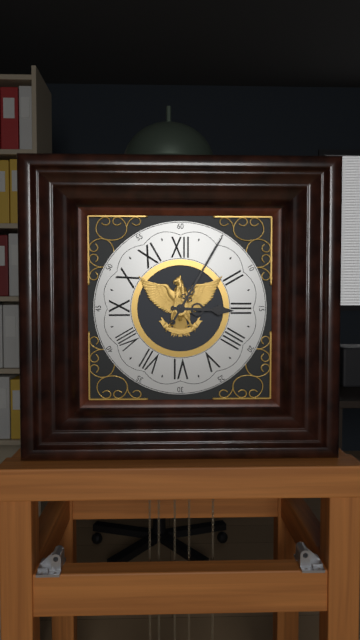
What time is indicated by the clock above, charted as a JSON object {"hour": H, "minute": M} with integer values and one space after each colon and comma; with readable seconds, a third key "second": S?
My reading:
{"hour": 3, "minute": 5}
